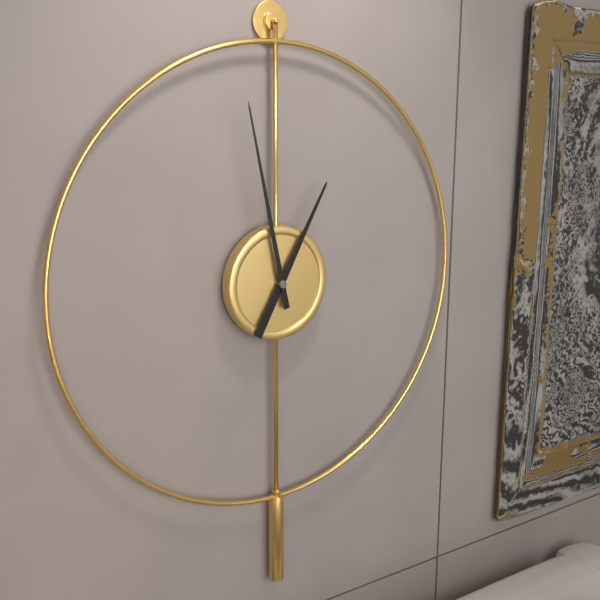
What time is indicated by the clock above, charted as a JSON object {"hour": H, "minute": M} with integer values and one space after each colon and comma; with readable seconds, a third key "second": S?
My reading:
{"hour": 12, "minute": 58}
